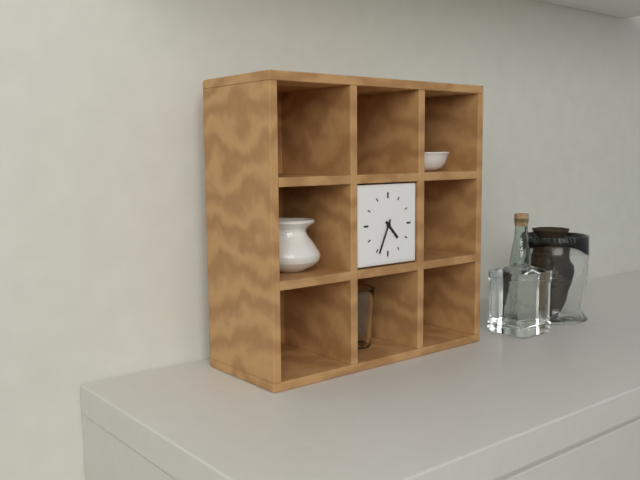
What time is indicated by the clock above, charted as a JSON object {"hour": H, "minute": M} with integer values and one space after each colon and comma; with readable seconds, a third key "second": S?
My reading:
{"hour": 4, "minute": 34}
